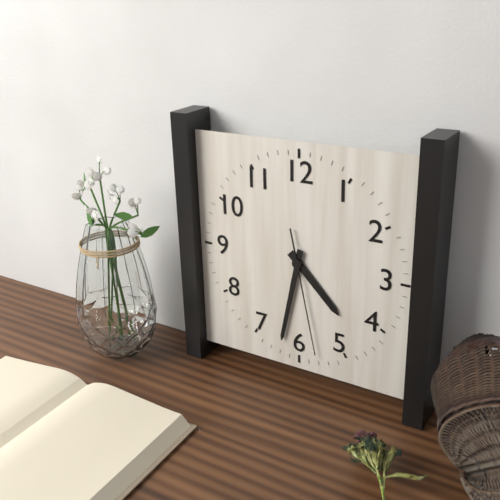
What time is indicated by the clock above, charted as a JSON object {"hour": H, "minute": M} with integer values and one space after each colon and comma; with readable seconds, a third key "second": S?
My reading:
{"hour": 4, "minute": 32, "second": 28}
